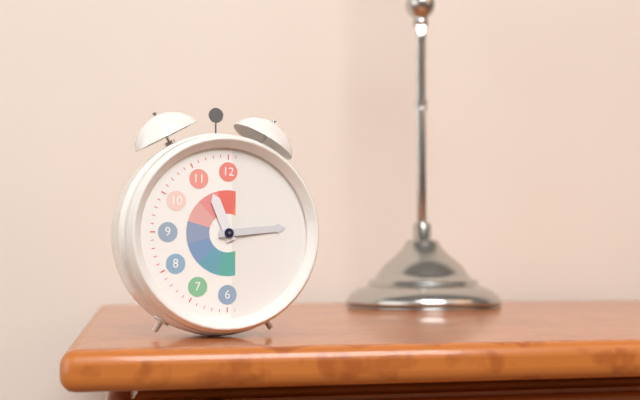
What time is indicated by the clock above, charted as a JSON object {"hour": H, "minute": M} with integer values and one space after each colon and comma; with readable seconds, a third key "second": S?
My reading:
{"hour": 11, "minute": 14}
